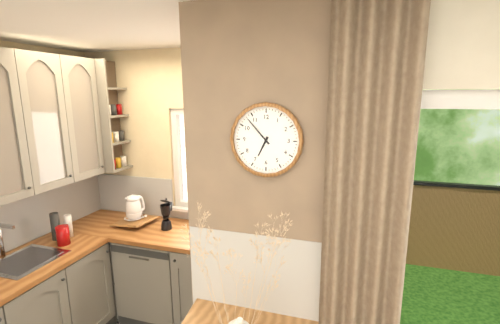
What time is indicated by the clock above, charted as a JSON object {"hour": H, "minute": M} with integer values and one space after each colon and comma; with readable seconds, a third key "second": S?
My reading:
{"hour": 6, "minute": 53}
